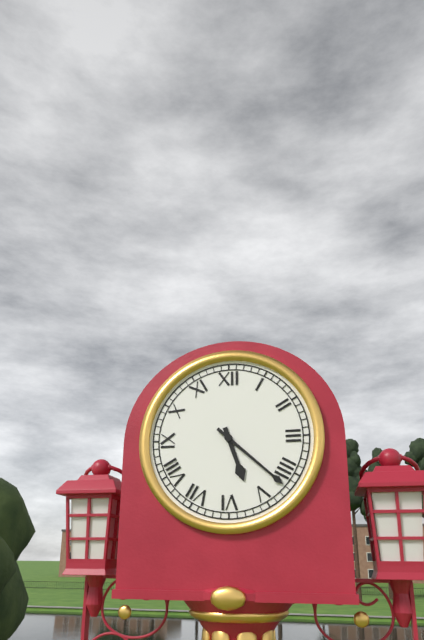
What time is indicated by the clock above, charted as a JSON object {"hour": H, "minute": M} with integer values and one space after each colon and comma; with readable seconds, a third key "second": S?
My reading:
{"hour": 5, "minute": 22}
